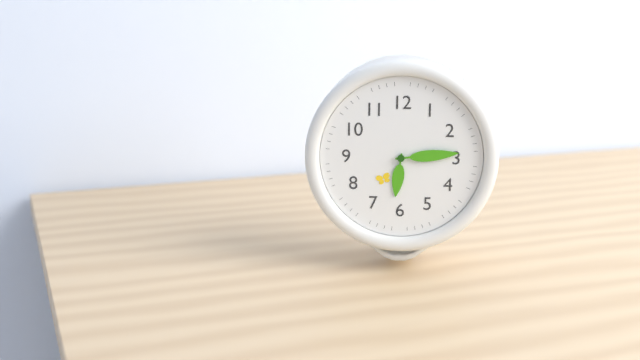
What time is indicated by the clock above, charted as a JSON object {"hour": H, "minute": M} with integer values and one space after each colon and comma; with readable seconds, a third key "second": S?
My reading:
{"hour": 6, "minute": 14}
